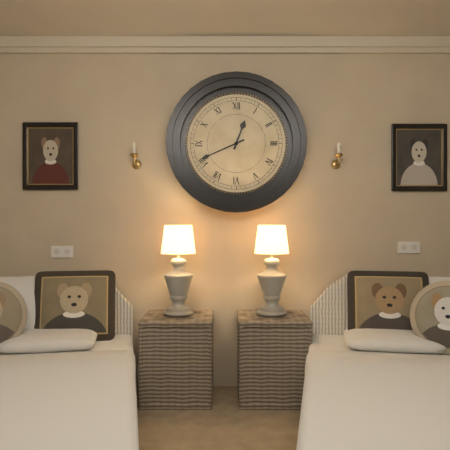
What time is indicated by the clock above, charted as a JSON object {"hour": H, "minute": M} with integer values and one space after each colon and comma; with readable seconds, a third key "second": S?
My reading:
{"hour": 12, "minute": 41}
